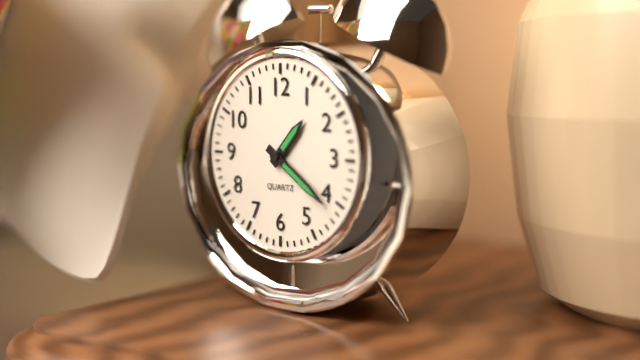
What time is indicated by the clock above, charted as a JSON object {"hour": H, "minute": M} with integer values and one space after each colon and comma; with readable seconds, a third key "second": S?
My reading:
{"hour": 1, "minute": 21}
